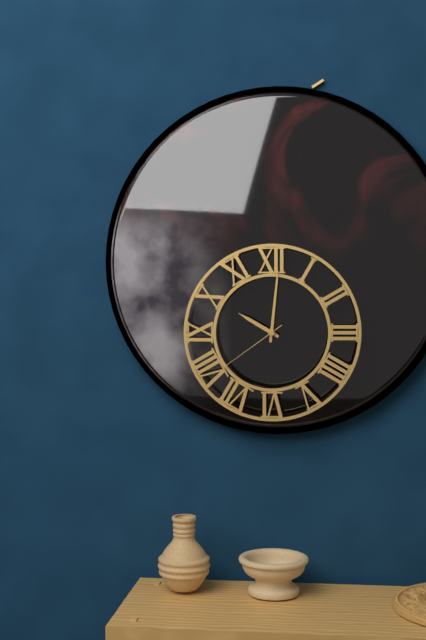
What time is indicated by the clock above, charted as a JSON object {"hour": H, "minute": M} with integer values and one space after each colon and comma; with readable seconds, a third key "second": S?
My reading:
{"hour": 10, "minute": 1, "second": 39}
